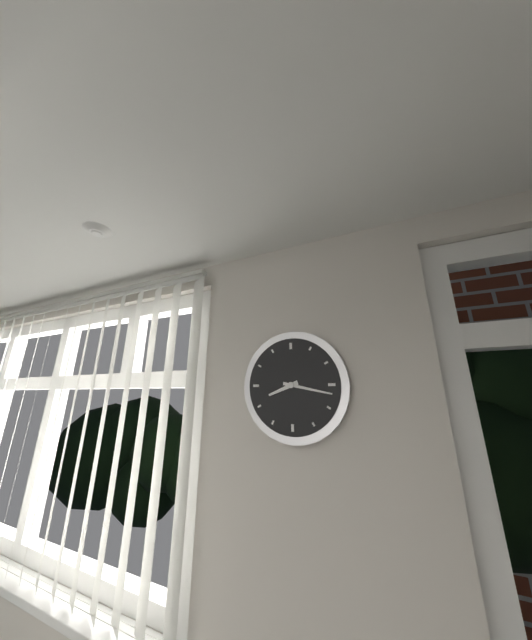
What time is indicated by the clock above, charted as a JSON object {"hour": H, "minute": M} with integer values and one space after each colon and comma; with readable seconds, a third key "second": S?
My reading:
{"hour": 8, "minute": 17}
